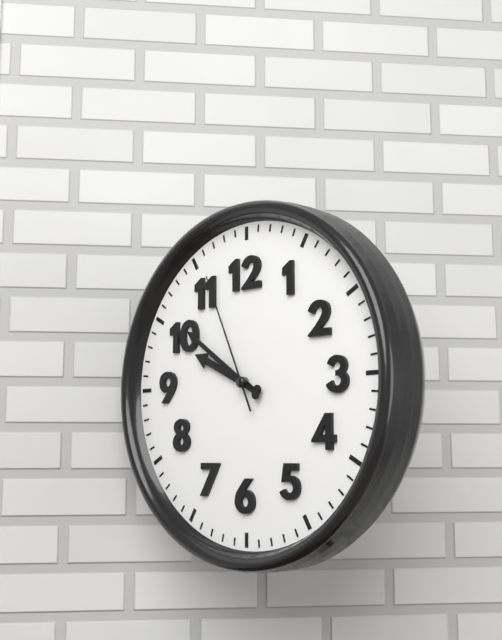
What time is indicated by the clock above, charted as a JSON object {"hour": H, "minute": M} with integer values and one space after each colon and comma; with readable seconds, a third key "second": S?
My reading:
{"hour": 9, "minute": 51, "second": 56}
